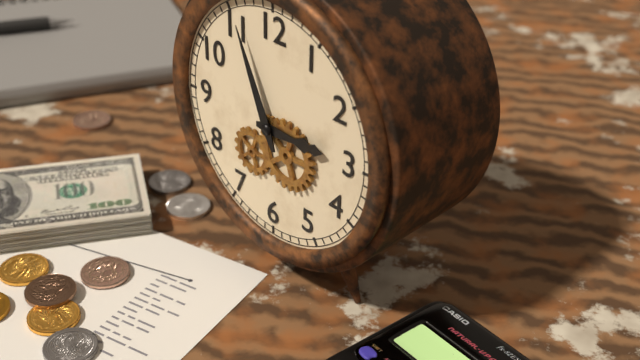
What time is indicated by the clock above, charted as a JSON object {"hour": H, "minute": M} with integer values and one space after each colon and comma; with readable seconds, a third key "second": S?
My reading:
{"hour": 2, "minute": 56}
